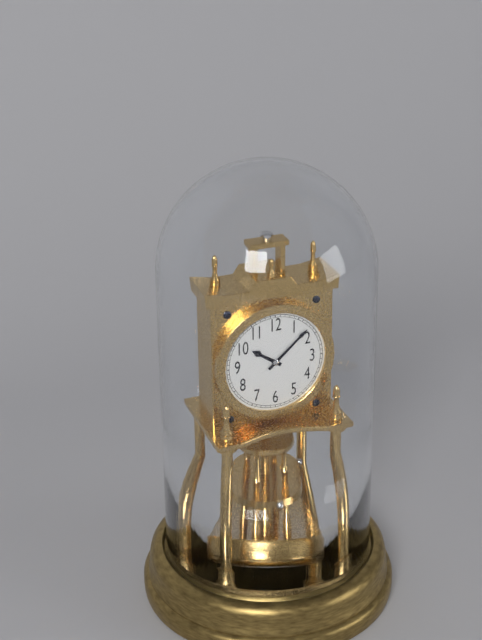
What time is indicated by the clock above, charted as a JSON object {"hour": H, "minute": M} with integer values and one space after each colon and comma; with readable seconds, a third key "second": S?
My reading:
{"hour": 10, "minute": 8}
